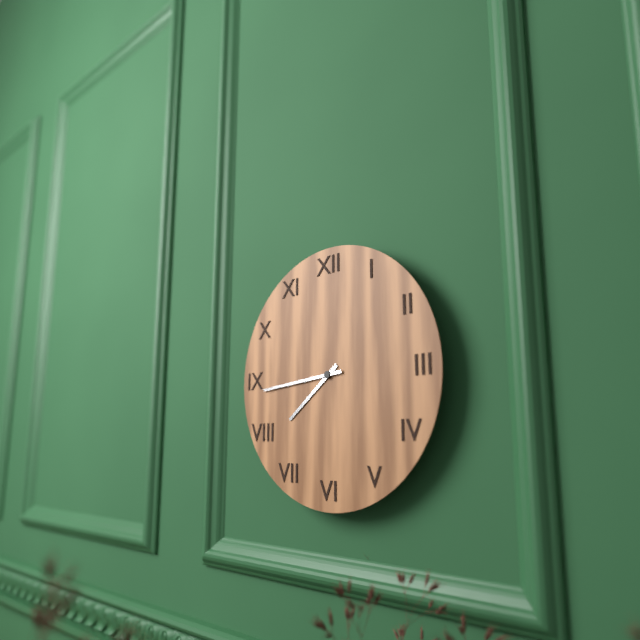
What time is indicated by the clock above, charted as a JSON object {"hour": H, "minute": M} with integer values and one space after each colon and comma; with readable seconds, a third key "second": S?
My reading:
{"hour": 7, "minute": 44}
